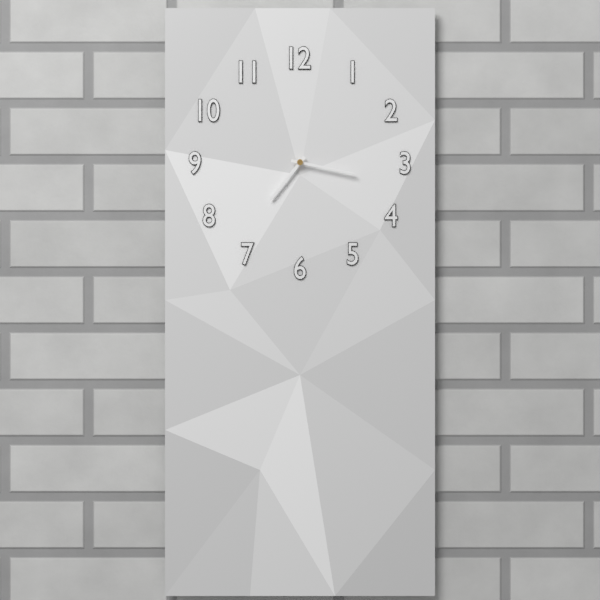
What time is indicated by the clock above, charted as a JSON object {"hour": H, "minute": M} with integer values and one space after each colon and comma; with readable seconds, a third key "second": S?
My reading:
{"hour": 7, "minute": 17}
